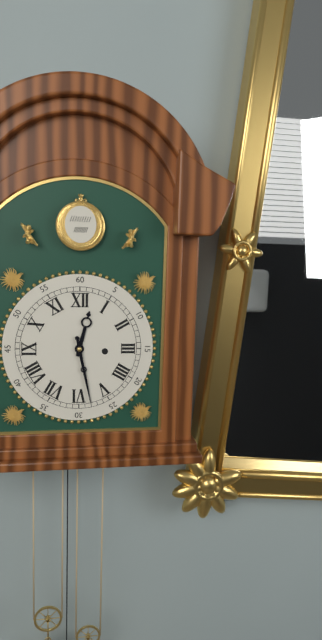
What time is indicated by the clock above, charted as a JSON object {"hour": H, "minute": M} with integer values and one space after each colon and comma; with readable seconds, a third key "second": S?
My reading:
{"hour": 12, "minute": 28}
